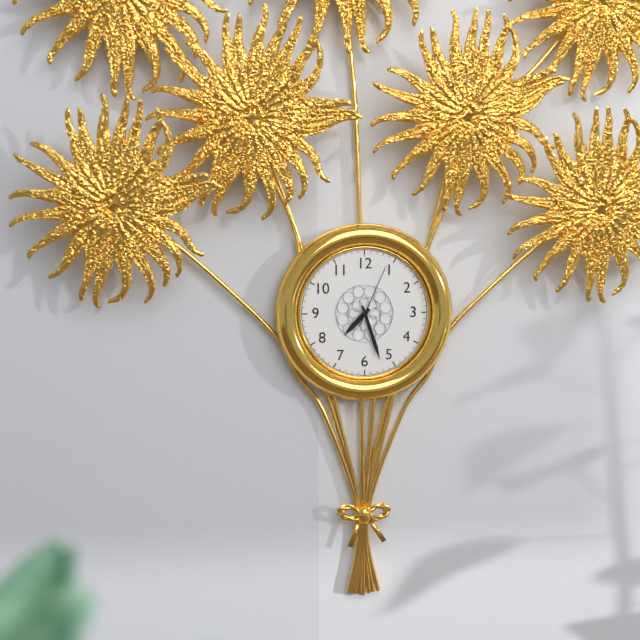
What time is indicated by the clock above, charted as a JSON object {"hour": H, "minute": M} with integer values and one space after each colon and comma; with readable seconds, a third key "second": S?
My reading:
{"hour": 7, "minute": 27, "second": 4}
